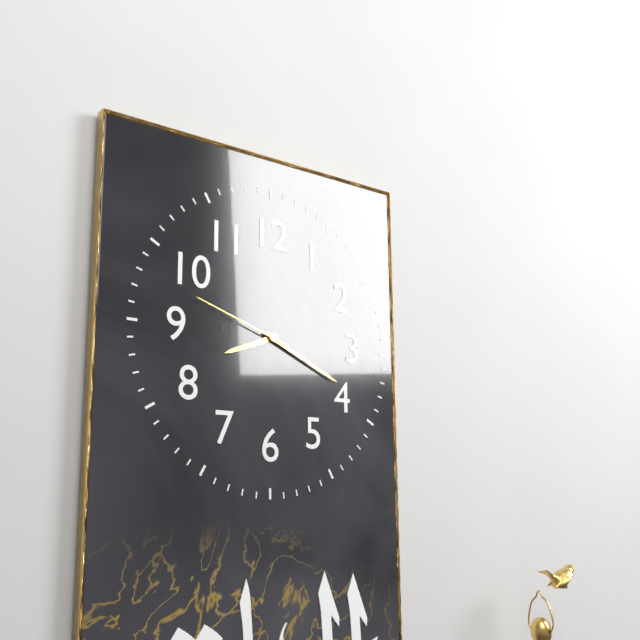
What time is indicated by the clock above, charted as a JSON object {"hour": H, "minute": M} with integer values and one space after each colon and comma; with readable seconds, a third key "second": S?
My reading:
{"hour": 8, "minute": 19, "second": 48}
